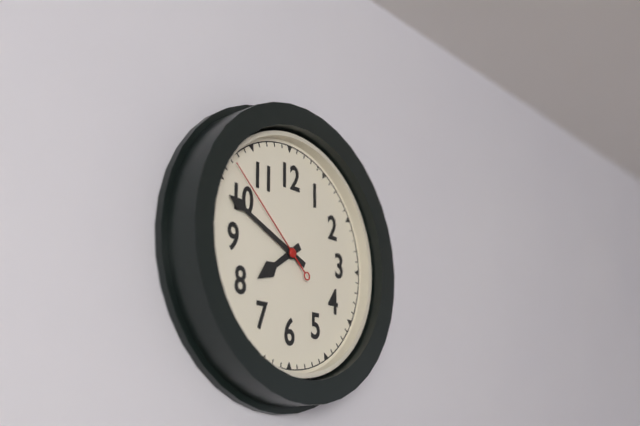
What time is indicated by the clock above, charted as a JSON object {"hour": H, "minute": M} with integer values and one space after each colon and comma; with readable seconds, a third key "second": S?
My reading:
{"hour": 7, "minute": 49, "second": 52}
